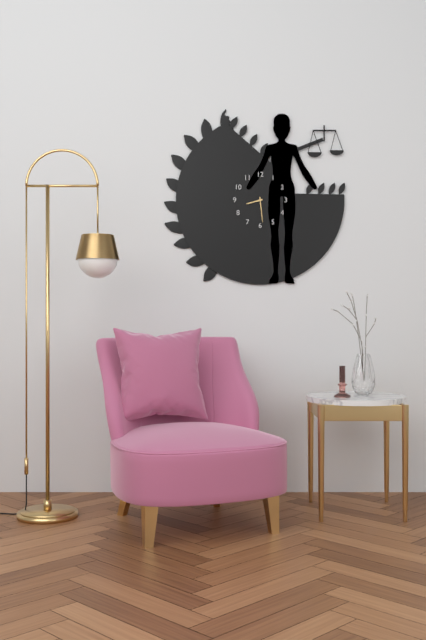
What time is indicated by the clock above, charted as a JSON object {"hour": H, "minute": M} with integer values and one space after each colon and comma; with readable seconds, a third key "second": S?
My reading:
{"hour": 8, "minute": 29}
